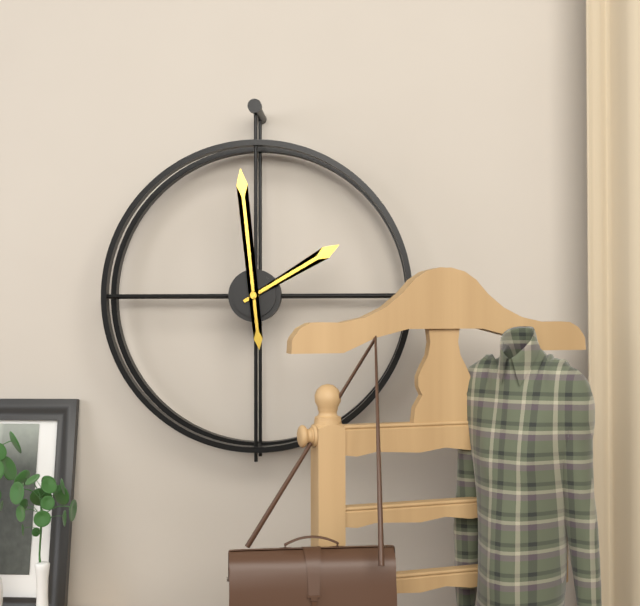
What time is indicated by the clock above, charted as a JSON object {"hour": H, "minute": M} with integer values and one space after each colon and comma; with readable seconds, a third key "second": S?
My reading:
{"hour": 1, "minute": 59}
